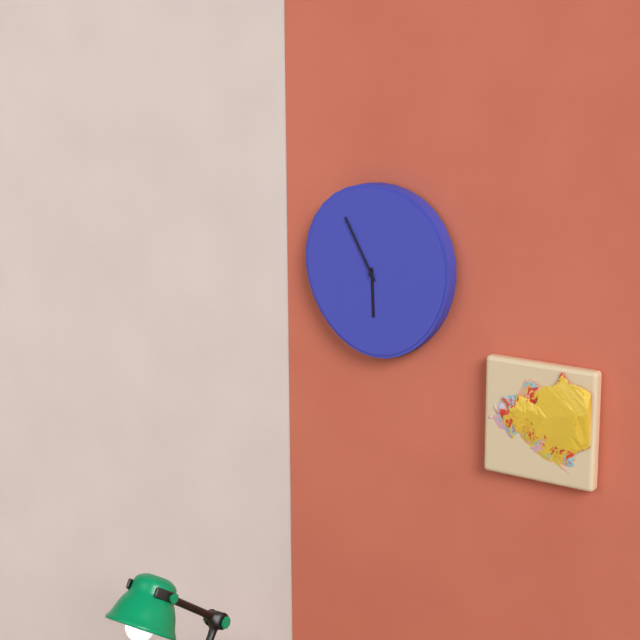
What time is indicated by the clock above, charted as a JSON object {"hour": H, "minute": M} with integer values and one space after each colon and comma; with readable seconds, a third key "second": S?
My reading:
{"hour": 5, "minute": 55}
